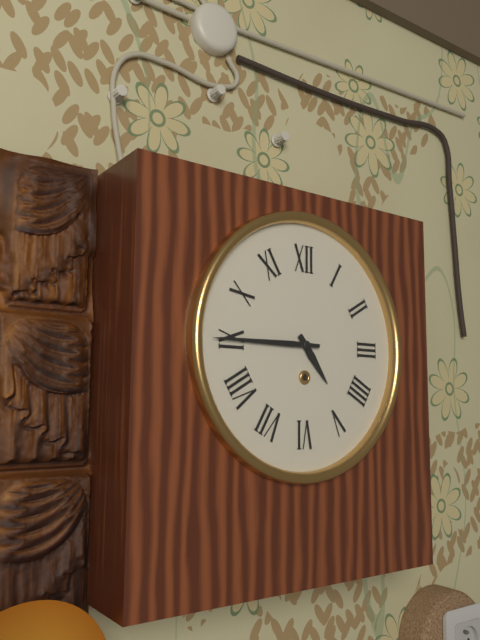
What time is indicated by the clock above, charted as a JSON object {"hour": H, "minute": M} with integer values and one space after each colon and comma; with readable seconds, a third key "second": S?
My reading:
{"hour": 4, "minute": 45}
